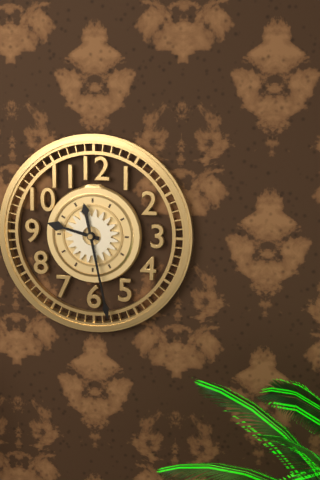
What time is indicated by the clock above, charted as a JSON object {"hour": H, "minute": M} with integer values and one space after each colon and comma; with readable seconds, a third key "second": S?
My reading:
{"hour": 9, "minute": 28}
